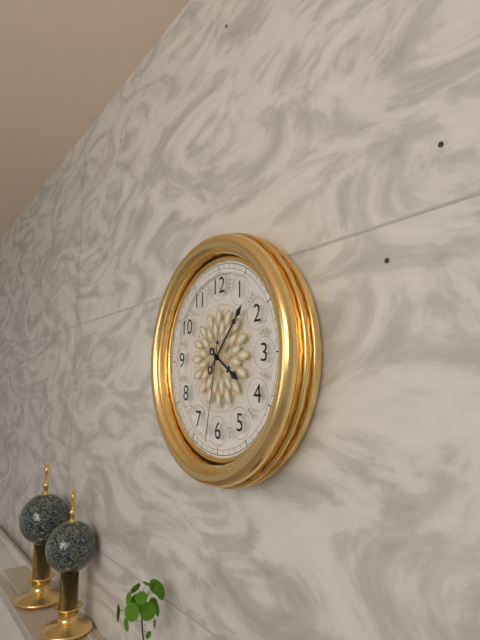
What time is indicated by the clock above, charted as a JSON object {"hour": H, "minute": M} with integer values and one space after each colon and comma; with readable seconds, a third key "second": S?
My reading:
{"hour": 4, "minute": 7, "second": 32}
